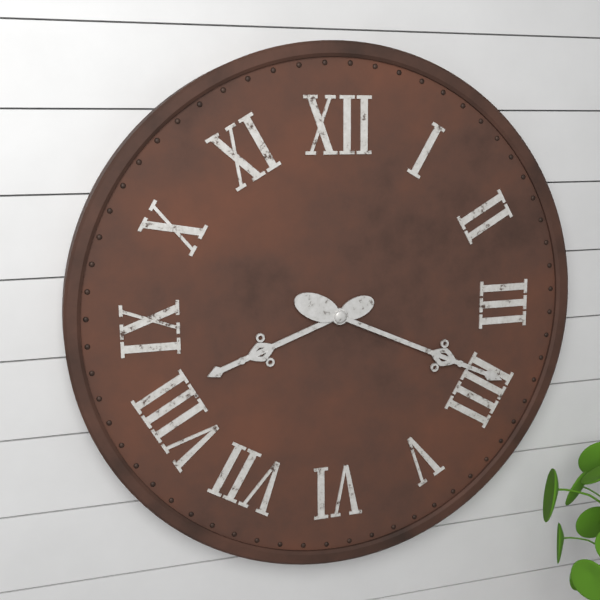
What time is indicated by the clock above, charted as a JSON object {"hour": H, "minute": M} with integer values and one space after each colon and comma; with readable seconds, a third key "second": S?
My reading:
{"hour": 8, "minute": 19}
